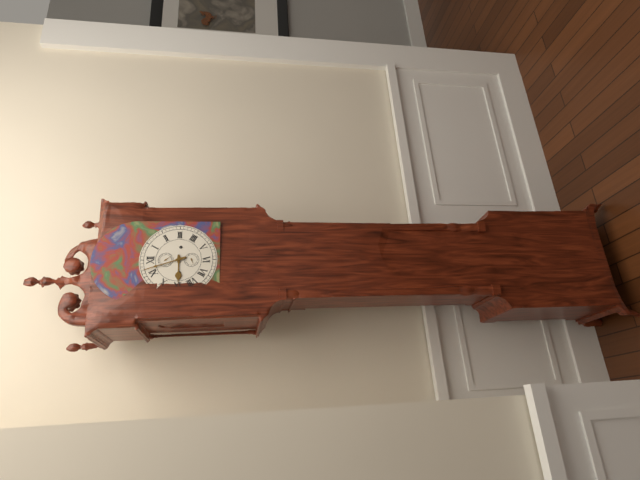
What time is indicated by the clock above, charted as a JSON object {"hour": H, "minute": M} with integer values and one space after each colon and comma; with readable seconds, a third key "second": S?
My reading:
{"hour": 8, "minute": 57}
